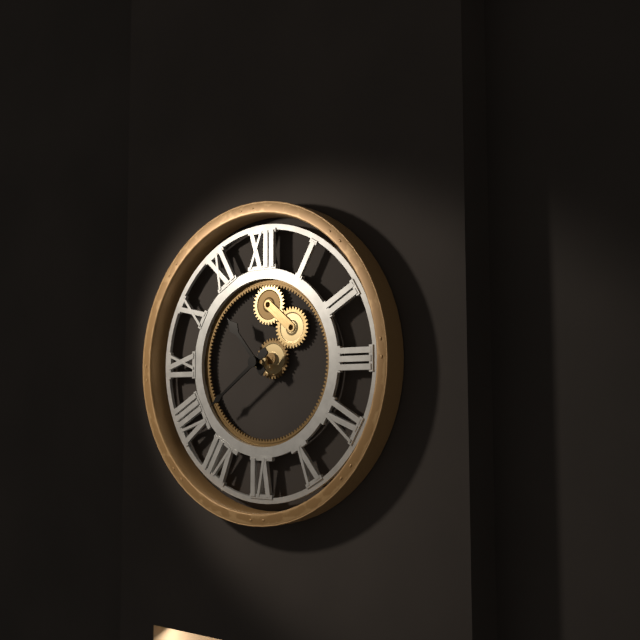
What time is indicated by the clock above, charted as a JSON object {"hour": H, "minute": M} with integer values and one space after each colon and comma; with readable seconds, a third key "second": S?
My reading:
{"hour": 10, "minute": 39}
